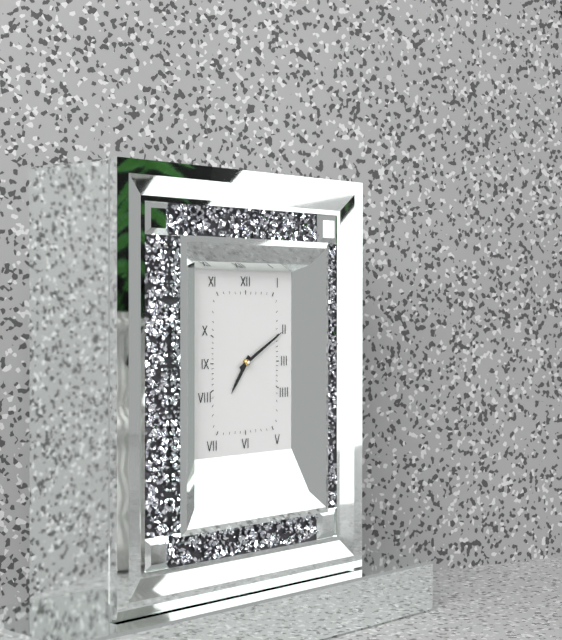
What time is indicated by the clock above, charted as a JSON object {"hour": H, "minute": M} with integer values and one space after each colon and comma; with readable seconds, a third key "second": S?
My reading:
{"hour": 7, "minute": 10}
